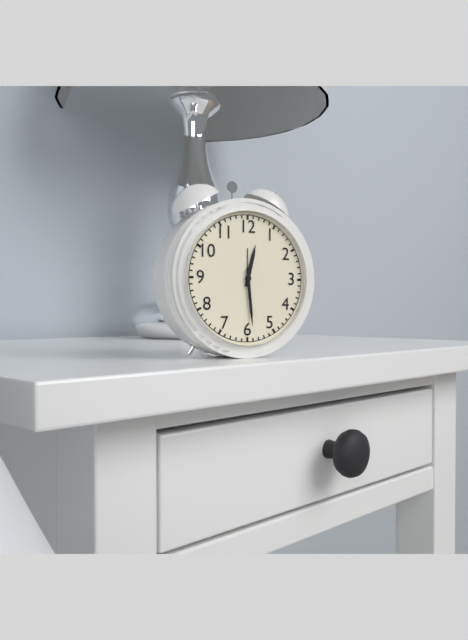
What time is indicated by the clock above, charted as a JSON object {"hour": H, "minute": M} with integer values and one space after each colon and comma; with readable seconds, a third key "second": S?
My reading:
{"hour": 12, "minute": 29}
